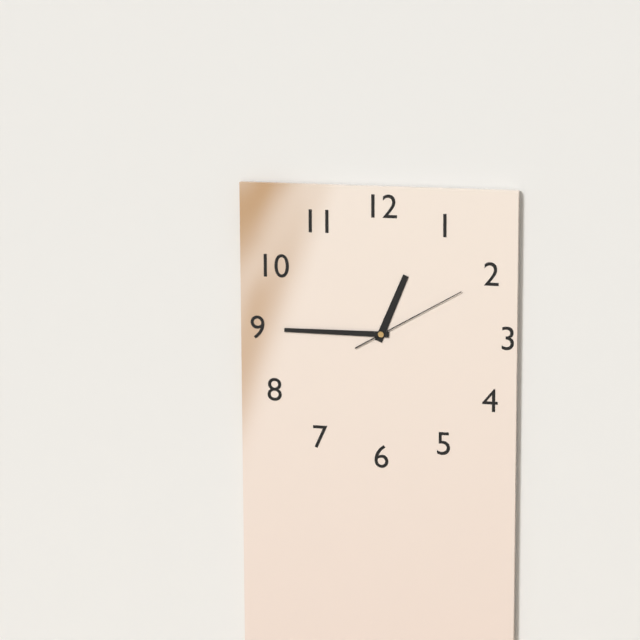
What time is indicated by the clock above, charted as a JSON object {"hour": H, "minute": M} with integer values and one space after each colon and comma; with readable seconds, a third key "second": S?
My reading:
{"hour": 12, "minute": 45, "second": 10}
